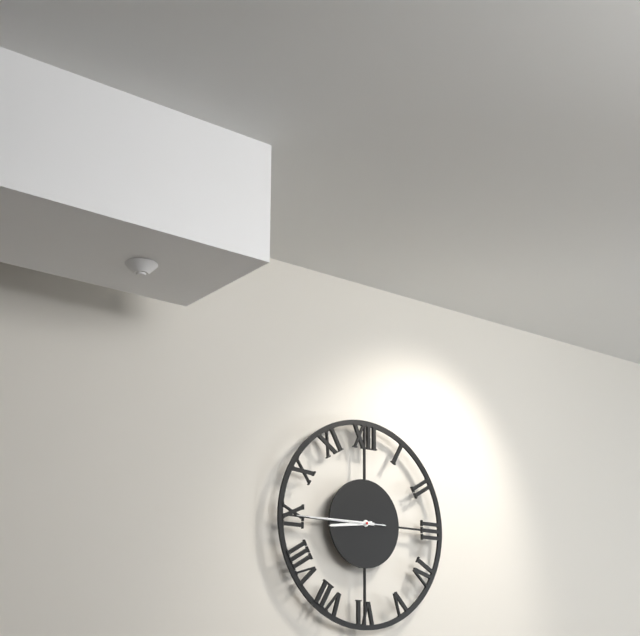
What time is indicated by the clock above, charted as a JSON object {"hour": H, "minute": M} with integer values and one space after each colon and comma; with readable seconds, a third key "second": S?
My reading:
{"hour": 8, "minute": 45, "second": 45}
